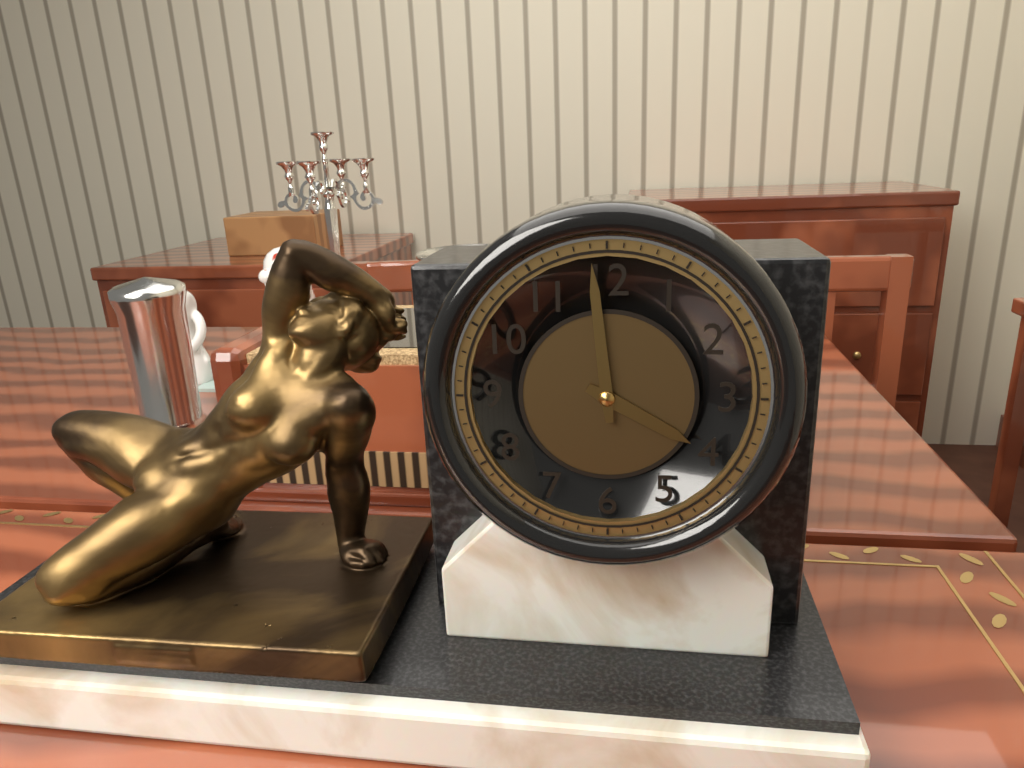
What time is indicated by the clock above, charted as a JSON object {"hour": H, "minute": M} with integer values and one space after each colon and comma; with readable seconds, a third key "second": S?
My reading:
{"hour": 3, "minute": 59}
